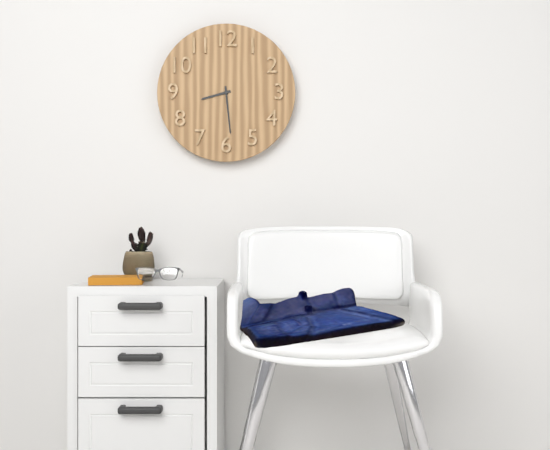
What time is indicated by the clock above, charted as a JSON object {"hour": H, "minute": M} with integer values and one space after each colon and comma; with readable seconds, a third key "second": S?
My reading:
{"hour": 8, "minute": 29}
